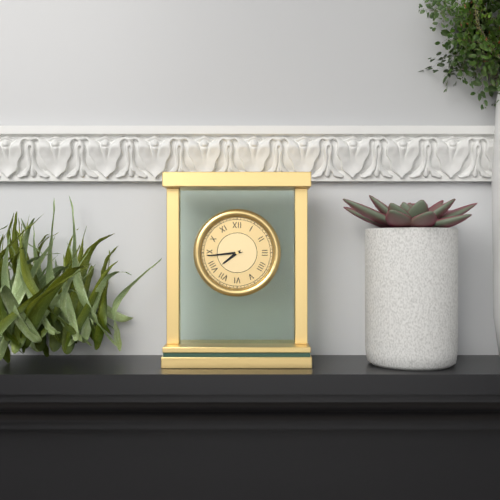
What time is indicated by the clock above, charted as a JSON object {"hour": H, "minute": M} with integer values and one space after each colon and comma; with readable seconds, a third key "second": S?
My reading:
{"hour": 7, "minute": 44}
